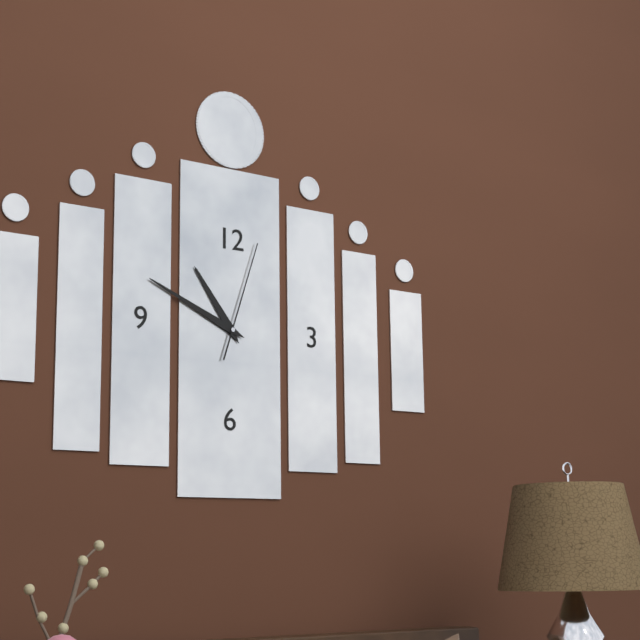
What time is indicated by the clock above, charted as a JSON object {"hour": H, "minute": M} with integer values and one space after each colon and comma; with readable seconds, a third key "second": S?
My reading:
{"hour": 10, "minute": 49, "second": 3}
